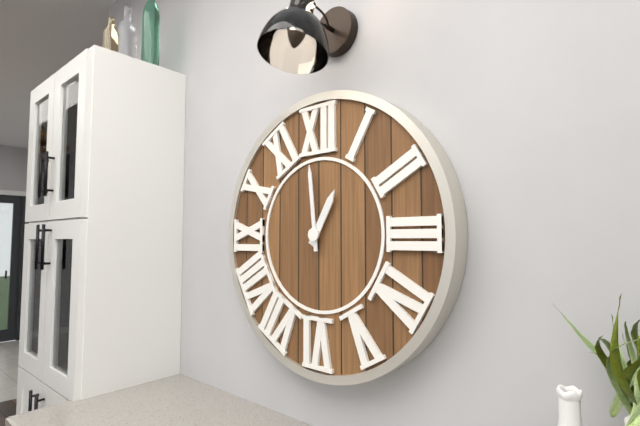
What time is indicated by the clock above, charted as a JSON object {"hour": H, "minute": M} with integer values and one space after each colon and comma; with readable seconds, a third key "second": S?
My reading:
{"hour": 12, "minute": 59}
